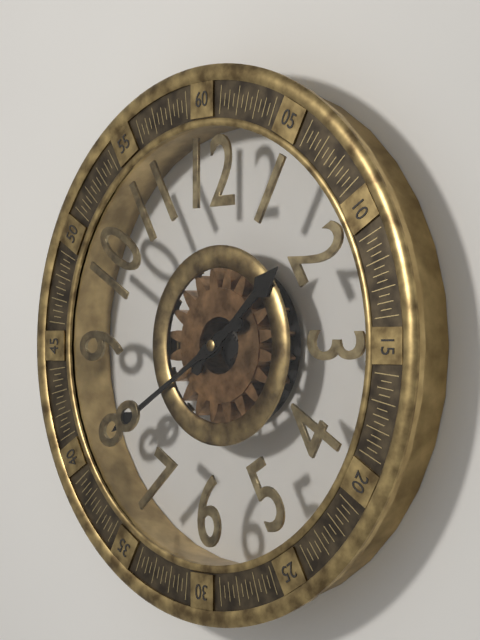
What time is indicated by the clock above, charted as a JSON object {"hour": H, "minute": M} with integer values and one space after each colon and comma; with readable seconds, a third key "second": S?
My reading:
{"hour": 1, "minute": 40}
